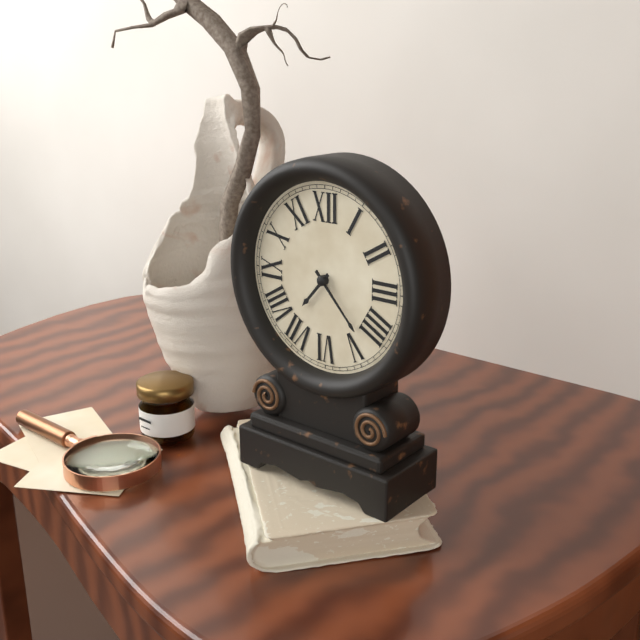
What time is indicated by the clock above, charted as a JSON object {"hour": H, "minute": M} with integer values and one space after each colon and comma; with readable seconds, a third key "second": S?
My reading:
{"hour": 7, "minute": 23}
